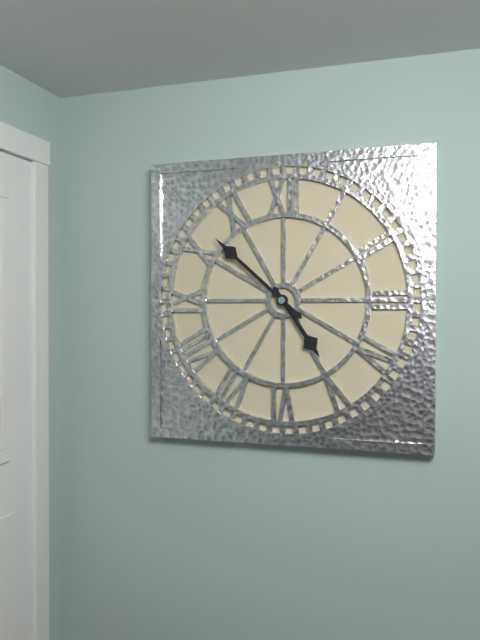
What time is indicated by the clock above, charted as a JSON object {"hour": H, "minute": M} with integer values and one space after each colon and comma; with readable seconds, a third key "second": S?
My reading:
{"hour": 4, "minute": 52}
